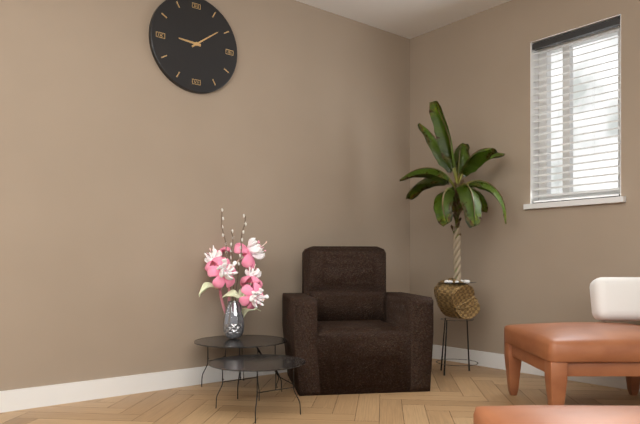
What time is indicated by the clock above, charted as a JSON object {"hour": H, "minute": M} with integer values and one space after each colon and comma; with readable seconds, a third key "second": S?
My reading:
{"hour": 9, "minute": 9}
